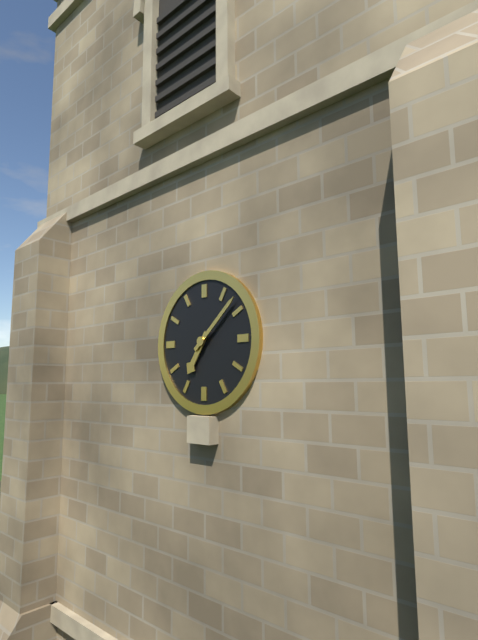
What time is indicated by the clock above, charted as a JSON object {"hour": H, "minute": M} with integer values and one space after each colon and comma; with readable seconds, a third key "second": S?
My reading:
{"hour": 7, "minute": 8}
